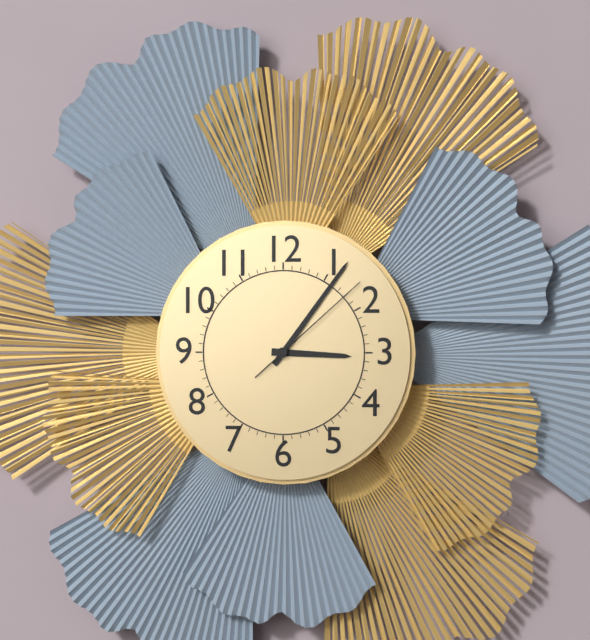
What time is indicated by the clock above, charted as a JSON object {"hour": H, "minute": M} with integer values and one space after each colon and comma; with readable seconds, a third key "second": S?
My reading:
{"hour": 3, "minute": 6, "second": 8}
